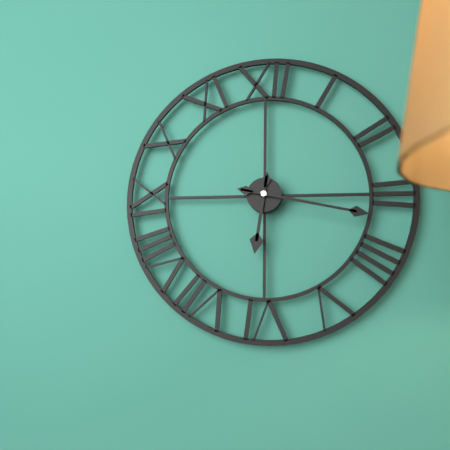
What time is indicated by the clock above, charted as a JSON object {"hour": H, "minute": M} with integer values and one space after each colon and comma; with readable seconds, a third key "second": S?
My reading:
{"hour": 6, "minute": 17}
